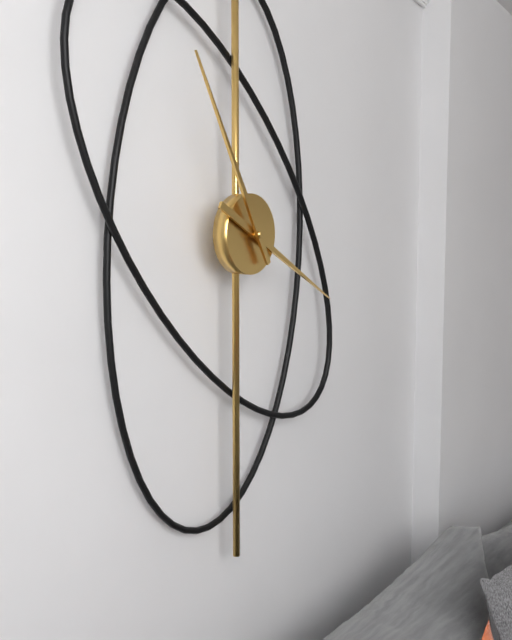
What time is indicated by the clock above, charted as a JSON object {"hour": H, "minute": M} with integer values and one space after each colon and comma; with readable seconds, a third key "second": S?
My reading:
{"hour": 3, "minute": 55}
